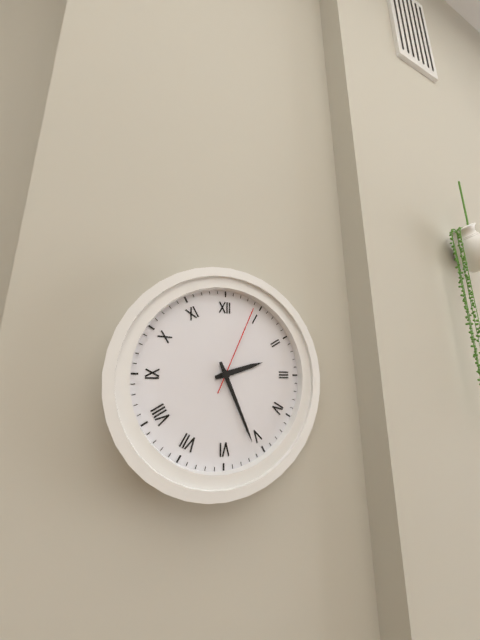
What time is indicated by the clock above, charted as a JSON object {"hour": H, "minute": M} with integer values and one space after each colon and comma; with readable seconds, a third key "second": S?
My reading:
{"hour": 2, "minute": 26, "second": 4}
